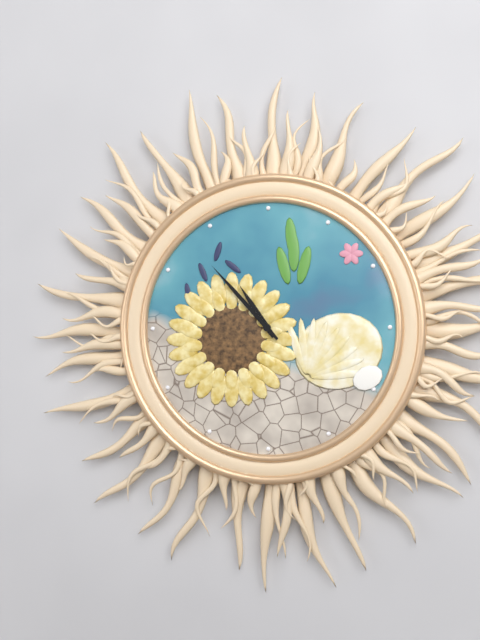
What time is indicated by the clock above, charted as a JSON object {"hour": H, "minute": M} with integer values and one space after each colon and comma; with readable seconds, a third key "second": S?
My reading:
{"hour": 10, "minute": 53}
